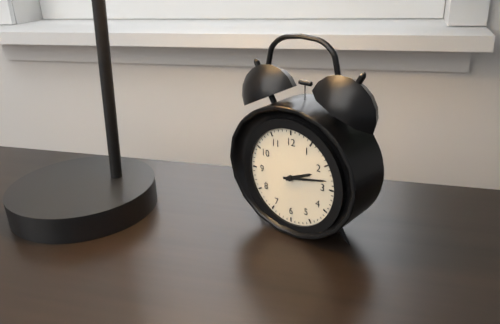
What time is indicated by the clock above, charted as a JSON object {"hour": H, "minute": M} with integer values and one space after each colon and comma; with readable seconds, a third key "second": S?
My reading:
{"hour": 2, "minute": 13}
